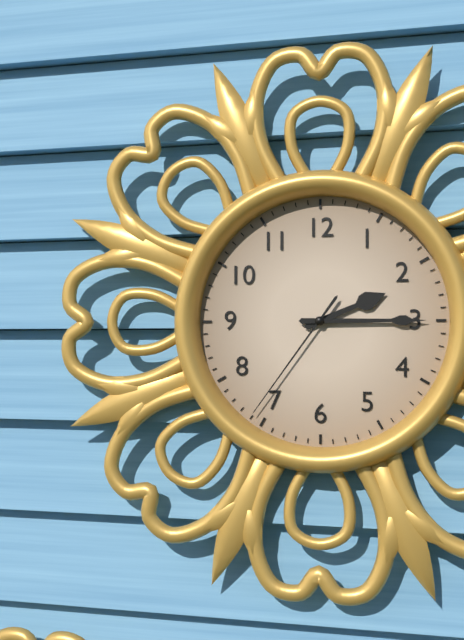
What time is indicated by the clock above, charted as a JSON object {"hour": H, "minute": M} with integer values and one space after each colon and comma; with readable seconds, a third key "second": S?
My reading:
{"hour": 2, "minute": 15, "second": 36}
